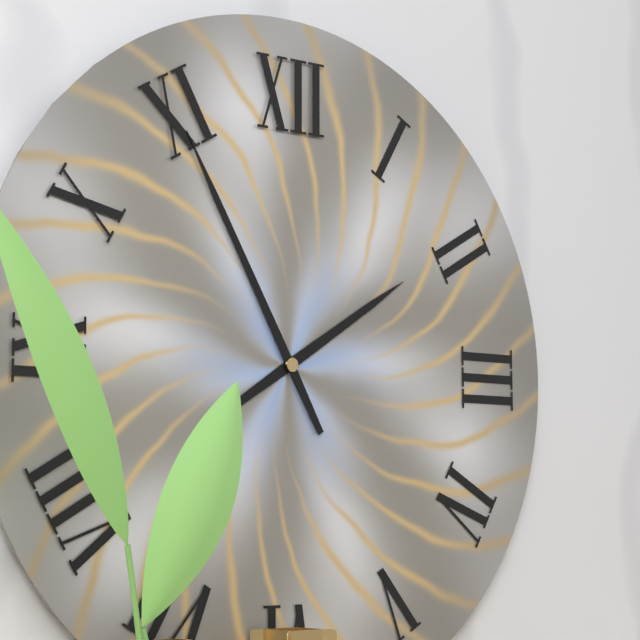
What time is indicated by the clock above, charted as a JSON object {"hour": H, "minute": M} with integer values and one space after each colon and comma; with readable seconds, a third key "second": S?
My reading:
{"hour": 1, "minute": 55}
